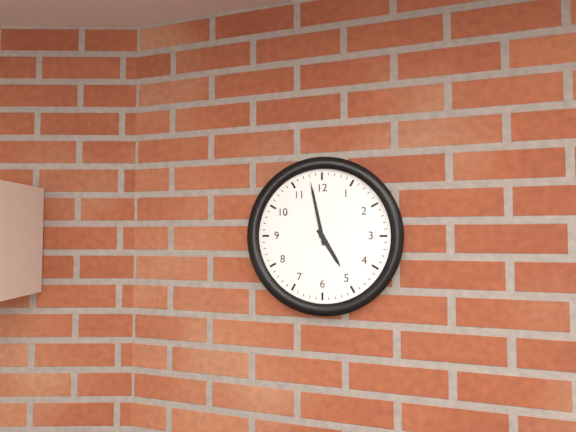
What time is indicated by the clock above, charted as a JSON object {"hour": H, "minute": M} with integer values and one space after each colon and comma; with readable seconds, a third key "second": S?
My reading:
{"hour": 4, "minute": 58}
